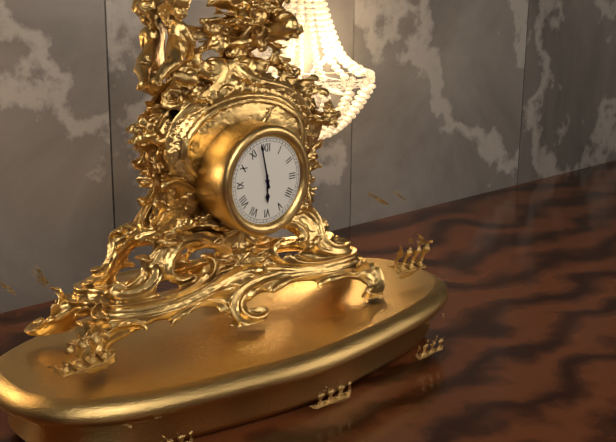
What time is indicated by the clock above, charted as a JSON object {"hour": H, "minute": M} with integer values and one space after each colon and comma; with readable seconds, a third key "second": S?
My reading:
{"hour": 5, "minute": 58}
